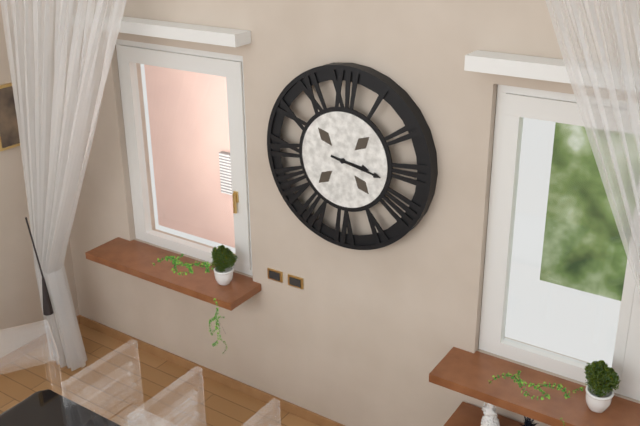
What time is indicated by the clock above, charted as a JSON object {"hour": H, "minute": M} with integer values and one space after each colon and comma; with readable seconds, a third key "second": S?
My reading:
{"hour": 3, "minute": 17}
